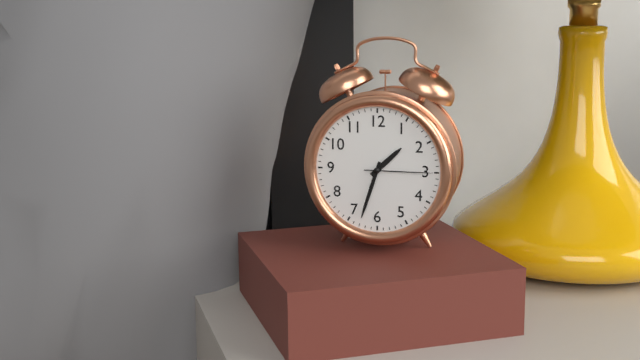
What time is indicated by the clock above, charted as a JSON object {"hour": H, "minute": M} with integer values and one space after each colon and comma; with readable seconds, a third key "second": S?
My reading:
{"hour": 1, "minute": 33, "second": 15}
